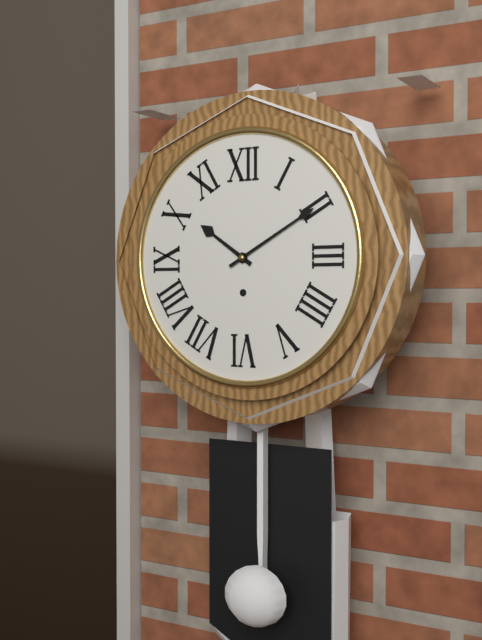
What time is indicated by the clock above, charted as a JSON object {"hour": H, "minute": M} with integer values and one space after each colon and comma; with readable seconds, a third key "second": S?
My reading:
{"hour": 10, "minute": 10}
